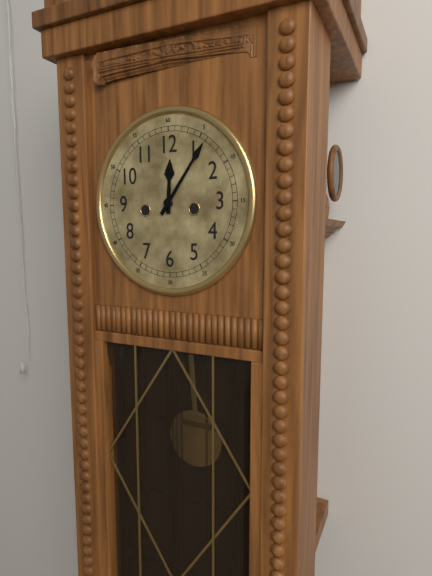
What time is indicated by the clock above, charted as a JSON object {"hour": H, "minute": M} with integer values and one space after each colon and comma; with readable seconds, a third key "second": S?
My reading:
{"hour": 12, "minute": 6}
